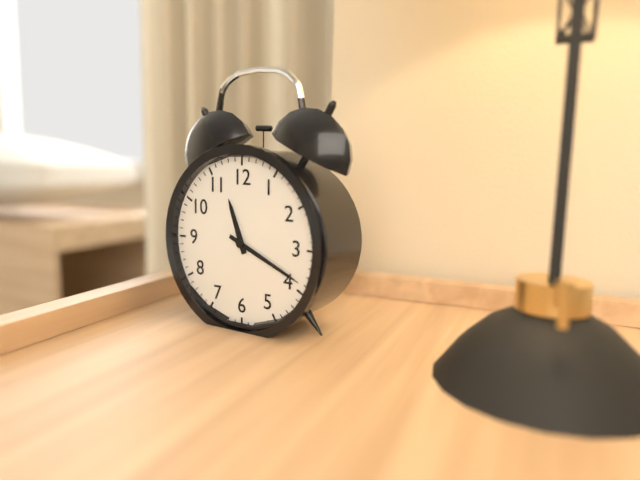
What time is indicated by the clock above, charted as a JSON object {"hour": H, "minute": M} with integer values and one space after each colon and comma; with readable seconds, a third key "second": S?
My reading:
{"hour": 11, "minute": 19}
